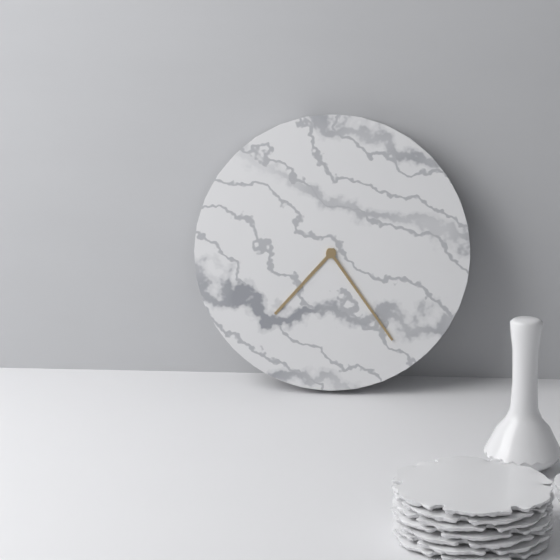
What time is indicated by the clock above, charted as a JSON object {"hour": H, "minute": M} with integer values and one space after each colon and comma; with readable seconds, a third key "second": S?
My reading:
{"hour": 7, "minute": 24}
